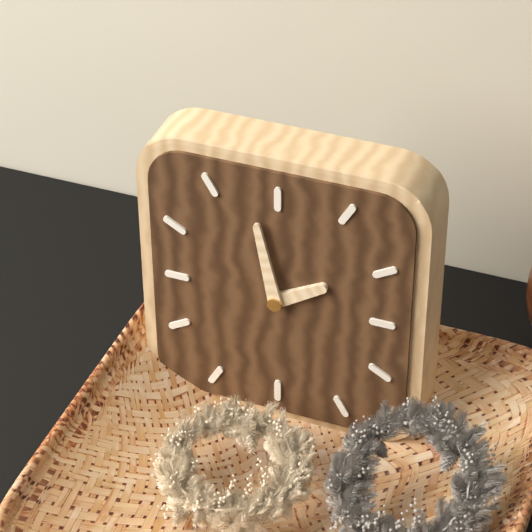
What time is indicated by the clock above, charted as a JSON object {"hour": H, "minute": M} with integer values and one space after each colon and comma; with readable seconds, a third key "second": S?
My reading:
{"hour": 1, "minute": 58}
